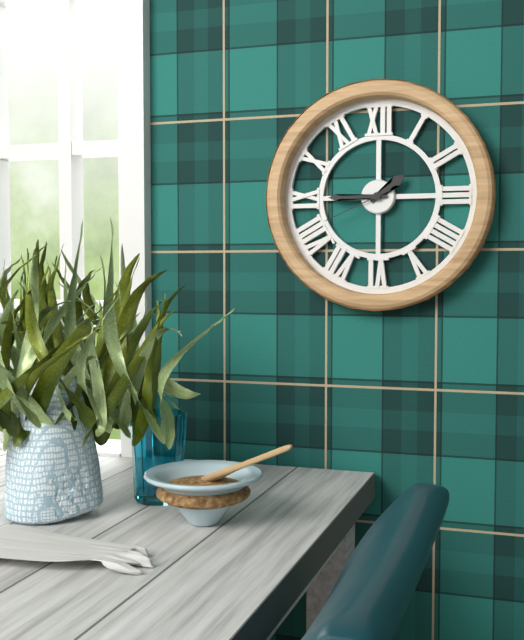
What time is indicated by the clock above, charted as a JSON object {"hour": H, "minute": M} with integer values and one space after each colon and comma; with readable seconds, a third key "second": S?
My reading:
{"hour": 1, "minute": 45, "second": 41}
